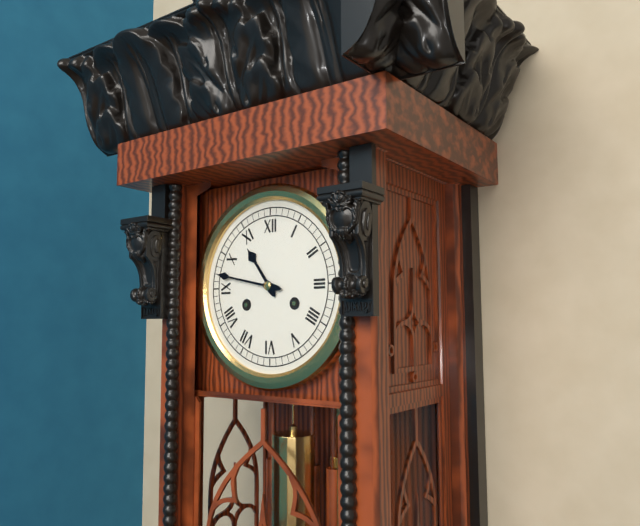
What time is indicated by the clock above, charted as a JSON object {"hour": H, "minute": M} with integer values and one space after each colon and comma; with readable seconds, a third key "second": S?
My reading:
{"hour": 10, "minute": 47}
